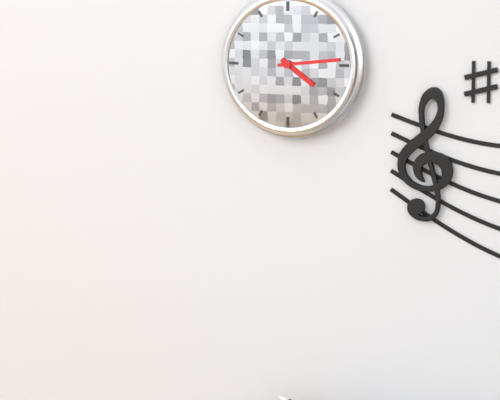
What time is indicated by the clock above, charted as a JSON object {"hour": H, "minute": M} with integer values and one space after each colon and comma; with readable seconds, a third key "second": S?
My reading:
{"hour": 4, "minute": 14}
